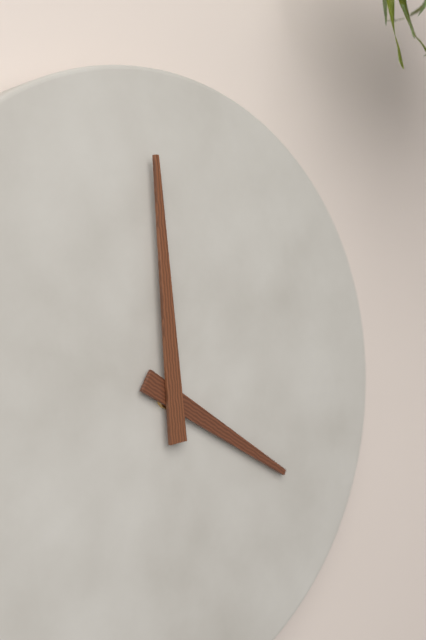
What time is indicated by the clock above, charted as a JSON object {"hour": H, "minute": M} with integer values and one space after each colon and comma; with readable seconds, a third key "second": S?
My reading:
{"hour": 3, "minute": 59}
